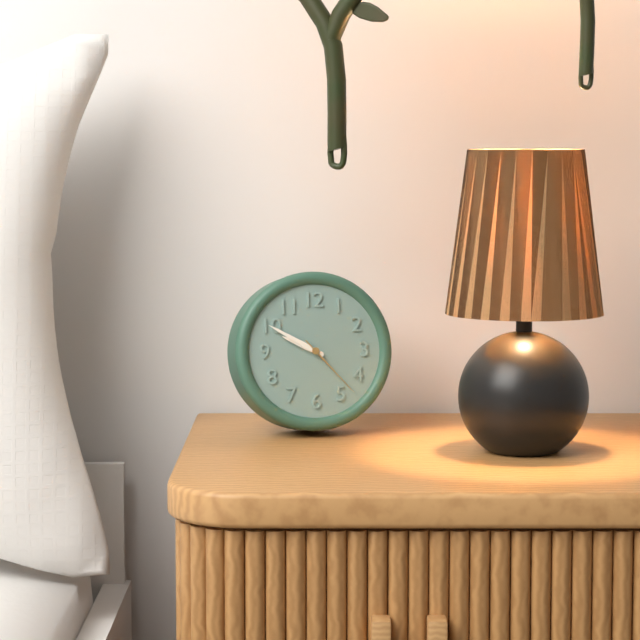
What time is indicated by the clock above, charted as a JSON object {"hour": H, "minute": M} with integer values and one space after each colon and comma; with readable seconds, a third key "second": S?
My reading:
{"hour": 9, "minute": 50, "second": 23}
